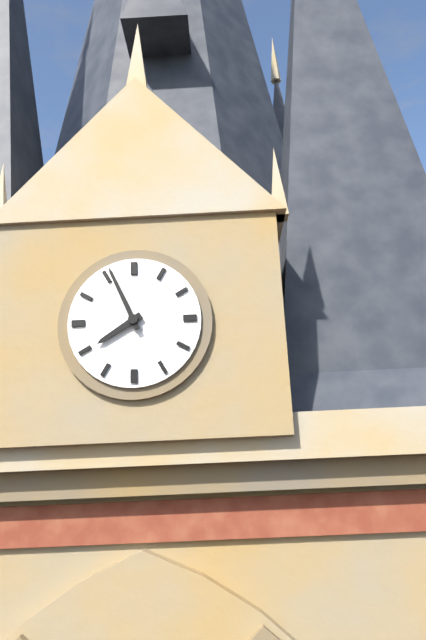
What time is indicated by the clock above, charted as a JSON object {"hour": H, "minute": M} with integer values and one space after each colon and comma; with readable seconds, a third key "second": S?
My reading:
{"hour": 7, "minute": 56}
